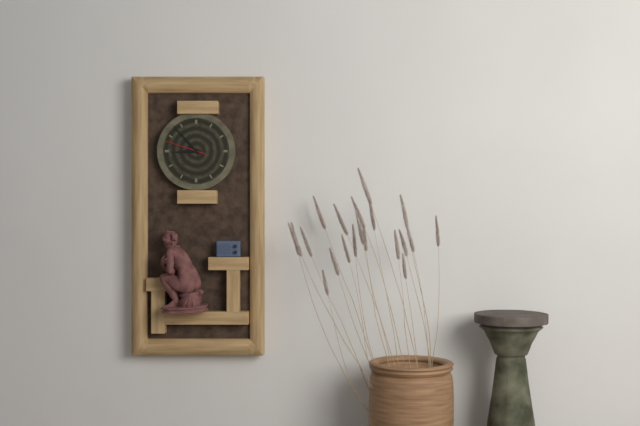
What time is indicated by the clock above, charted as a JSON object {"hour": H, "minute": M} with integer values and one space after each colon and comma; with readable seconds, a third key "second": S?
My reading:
{"hour": 8, "minute": 53}
